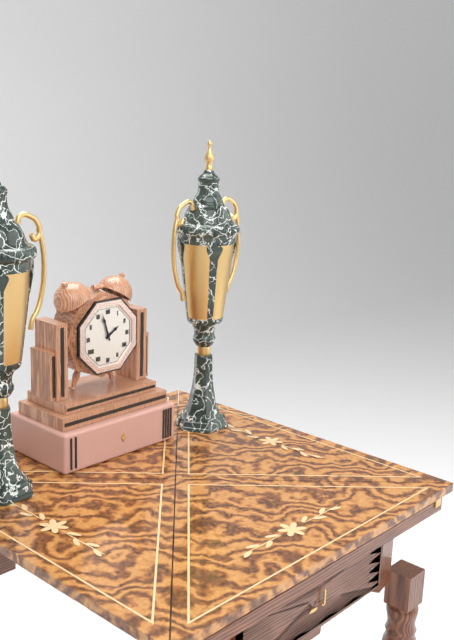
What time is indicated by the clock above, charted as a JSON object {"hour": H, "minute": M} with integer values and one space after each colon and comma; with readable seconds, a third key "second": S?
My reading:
{"hour": 1, "minute": 57}
